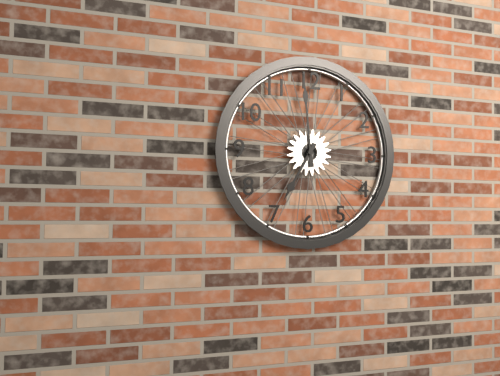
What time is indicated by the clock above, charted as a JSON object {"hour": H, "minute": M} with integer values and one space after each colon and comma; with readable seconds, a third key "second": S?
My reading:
{"hour": 6, "minute": 59}
